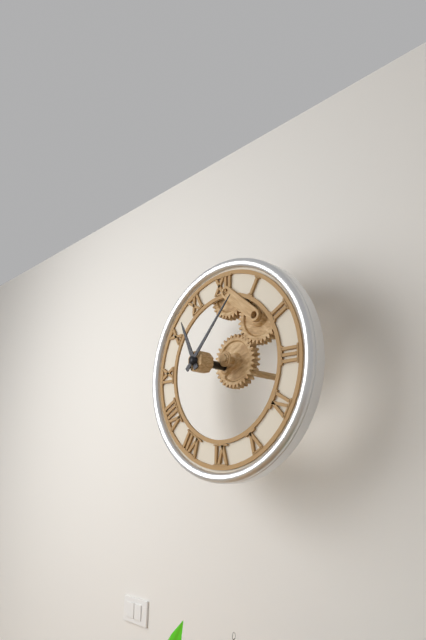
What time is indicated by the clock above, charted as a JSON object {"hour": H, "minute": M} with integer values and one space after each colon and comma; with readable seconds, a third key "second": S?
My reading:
{"hour": 11, "minute": 7}
